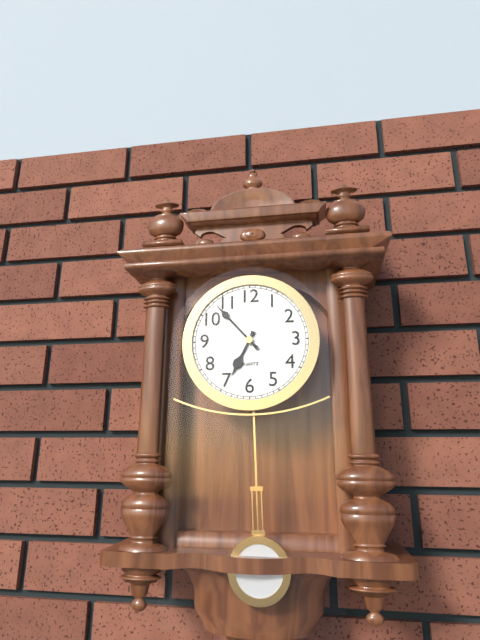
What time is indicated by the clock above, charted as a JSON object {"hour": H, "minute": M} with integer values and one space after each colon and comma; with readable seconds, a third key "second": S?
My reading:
{"hour": 6, "minute": 53}
